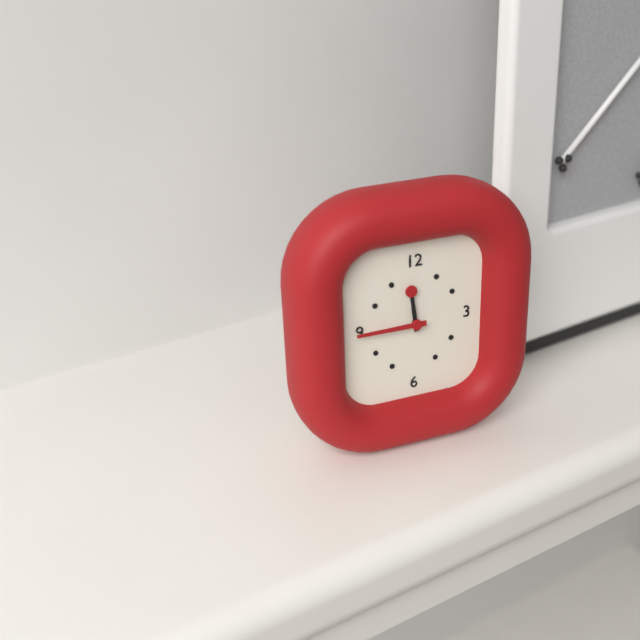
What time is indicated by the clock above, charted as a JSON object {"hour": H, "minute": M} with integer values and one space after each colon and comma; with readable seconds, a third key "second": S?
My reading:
{"hour": 11, "minute": 45}
